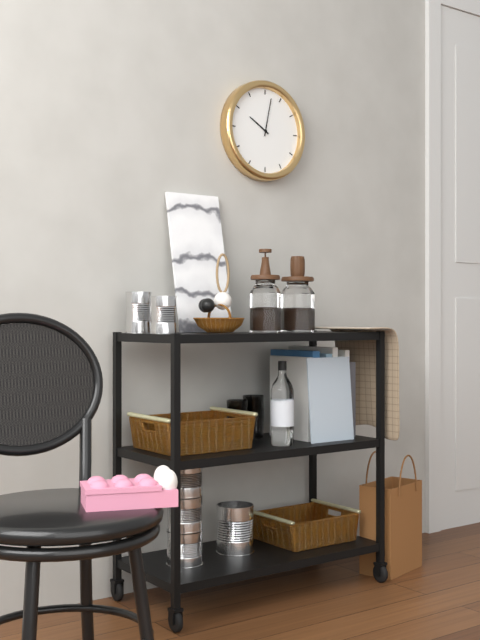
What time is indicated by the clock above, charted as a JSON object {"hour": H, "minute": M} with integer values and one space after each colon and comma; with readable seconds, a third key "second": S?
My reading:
{"hour": 10, "minute": 2}
